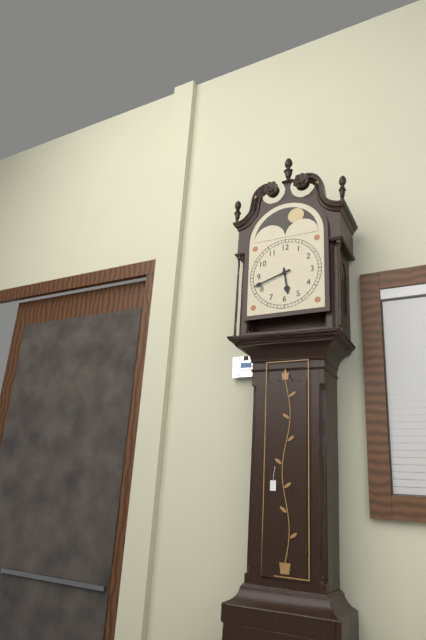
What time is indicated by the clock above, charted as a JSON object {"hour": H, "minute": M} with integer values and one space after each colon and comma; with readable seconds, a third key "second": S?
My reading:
{"hour": 5, "minute": 42}
